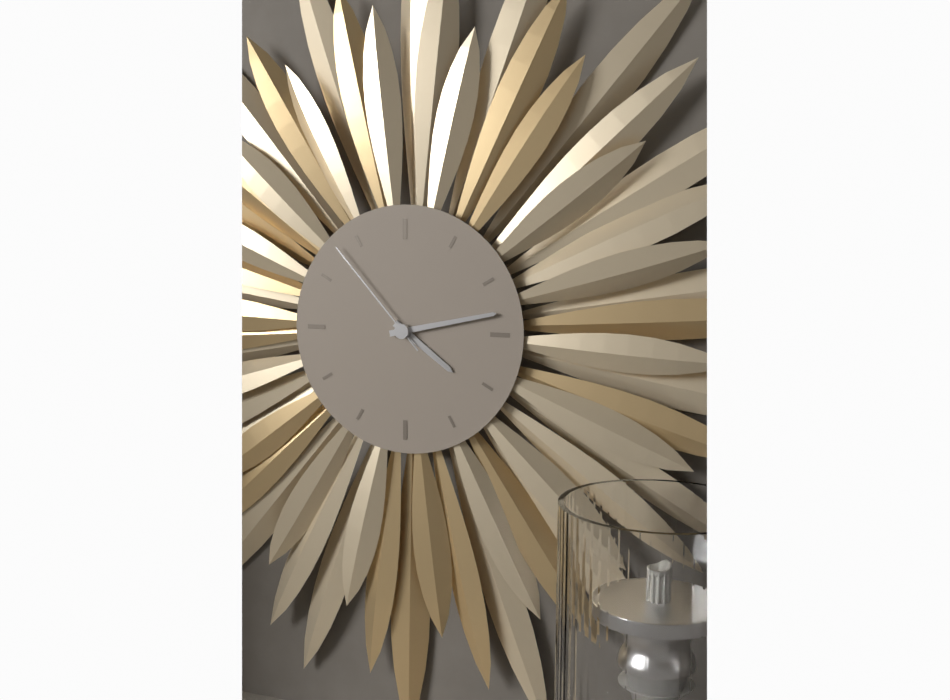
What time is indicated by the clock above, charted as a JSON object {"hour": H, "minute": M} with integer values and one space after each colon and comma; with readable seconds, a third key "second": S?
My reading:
{"hour": 4, "minute": 13, "second": 53}
